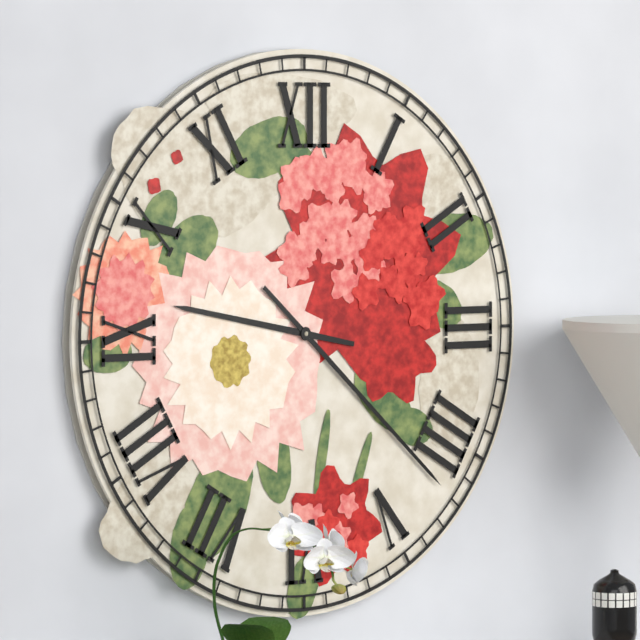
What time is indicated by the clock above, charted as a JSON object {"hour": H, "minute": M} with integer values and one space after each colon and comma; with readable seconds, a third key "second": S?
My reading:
{"hour": 9, "minute": 22}
